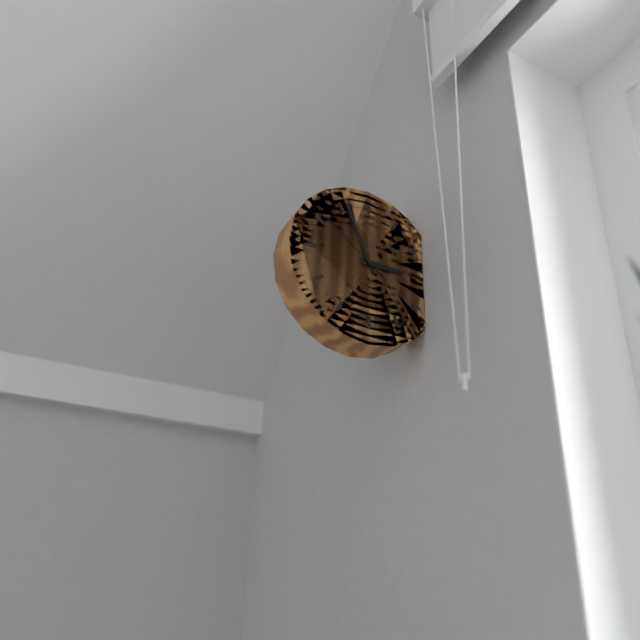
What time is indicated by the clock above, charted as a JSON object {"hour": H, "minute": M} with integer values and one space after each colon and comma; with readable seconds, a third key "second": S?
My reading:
{"hour": 2, "minute": 56, "second": 51}
